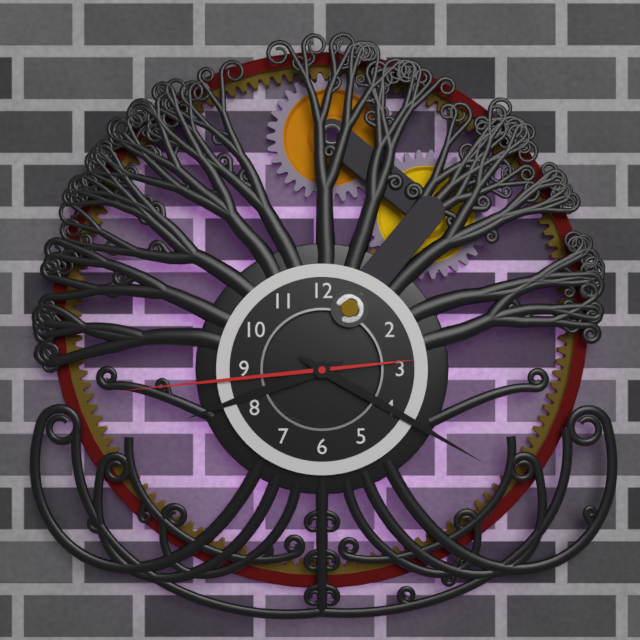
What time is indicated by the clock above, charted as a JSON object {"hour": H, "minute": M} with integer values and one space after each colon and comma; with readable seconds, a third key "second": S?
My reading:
{"hour": 8, "minute": 20, "second": 44}
